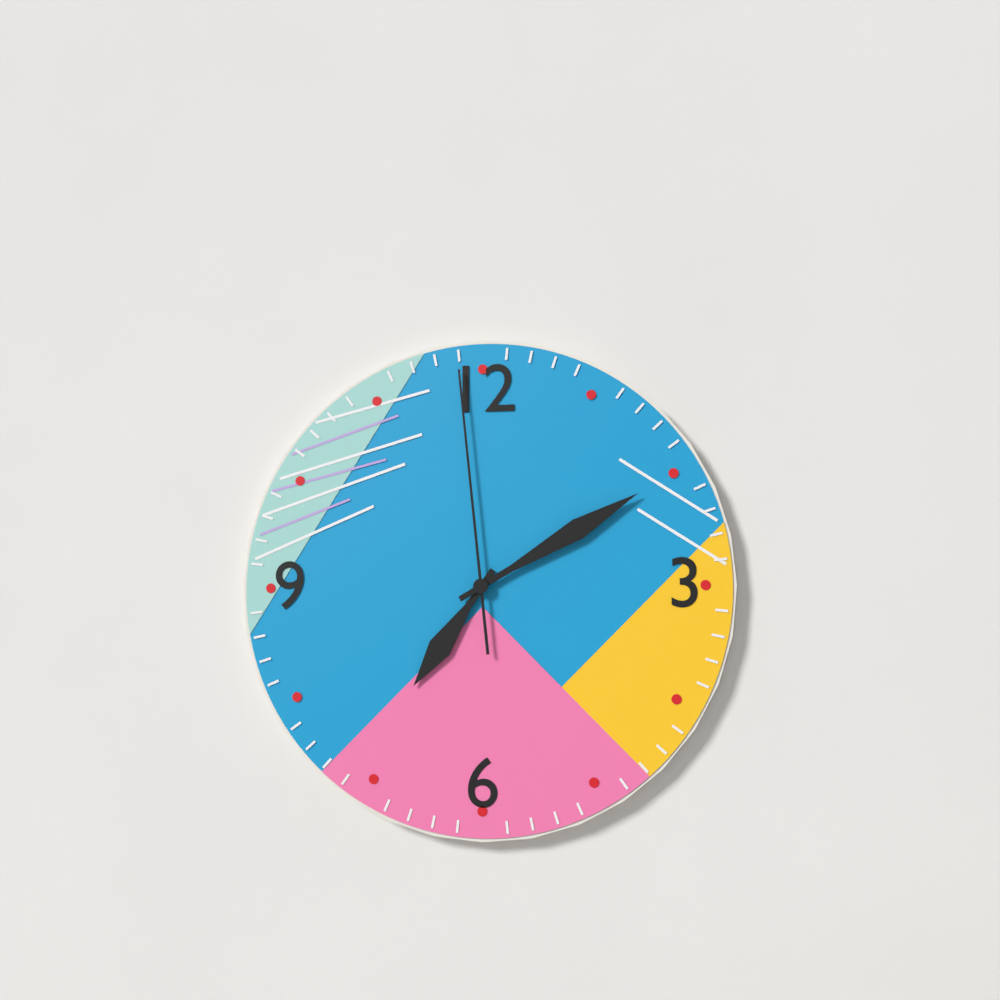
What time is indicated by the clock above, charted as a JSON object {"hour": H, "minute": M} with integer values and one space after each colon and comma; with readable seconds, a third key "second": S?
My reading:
{"hour": 7, "minute": 10, "second": 59}
